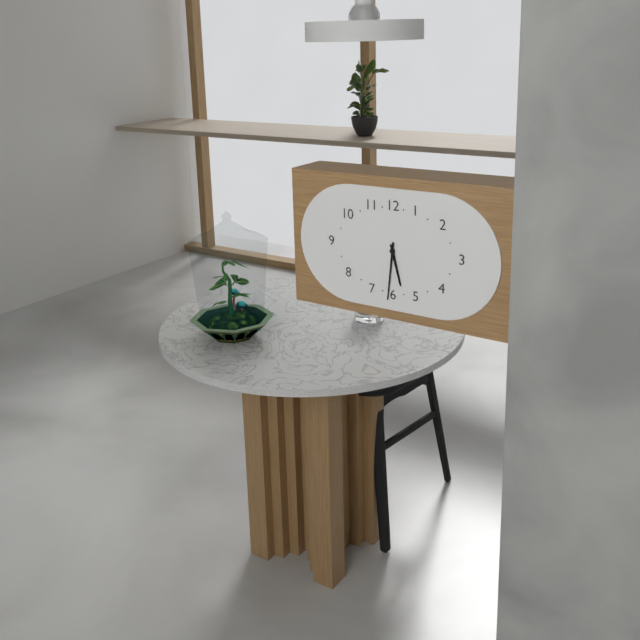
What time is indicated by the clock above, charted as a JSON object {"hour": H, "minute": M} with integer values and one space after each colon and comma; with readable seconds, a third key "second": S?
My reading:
{"hour": 5, "minute": 31}
